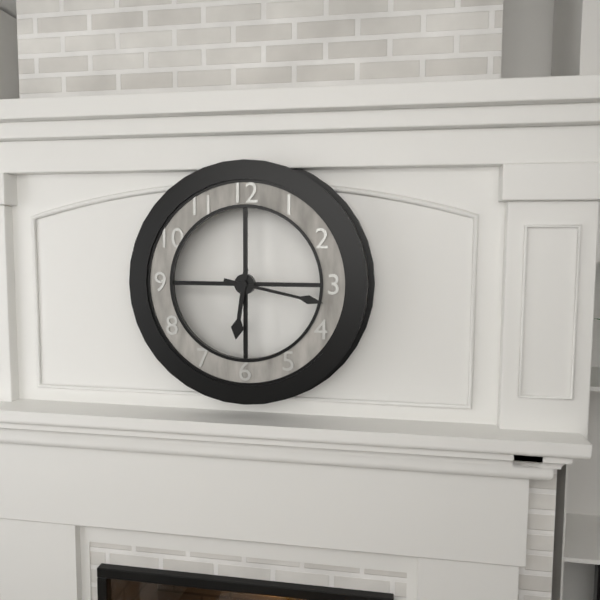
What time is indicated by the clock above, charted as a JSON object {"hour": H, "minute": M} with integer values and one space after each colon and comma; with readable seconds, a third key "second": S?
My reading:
{"hour": 6, "minute": 17}
